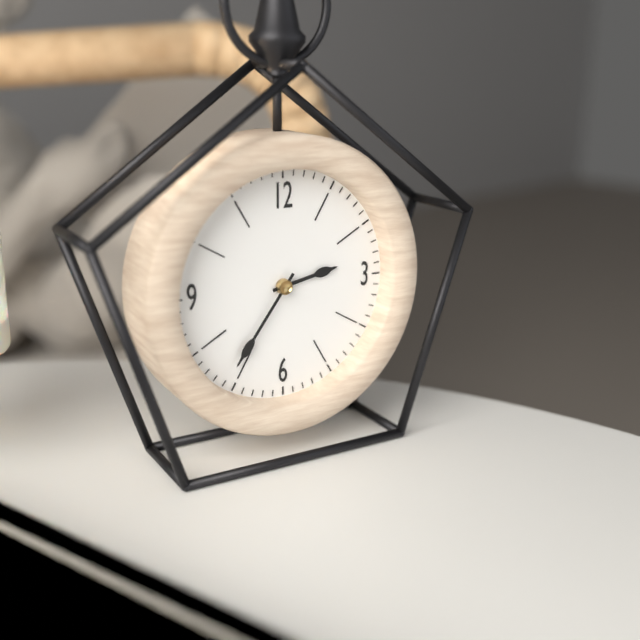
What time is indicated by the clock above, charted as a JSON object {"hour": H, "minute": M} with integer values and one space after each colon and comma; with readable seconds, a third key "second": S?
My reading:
{"hour": 2, "minute": 36}
